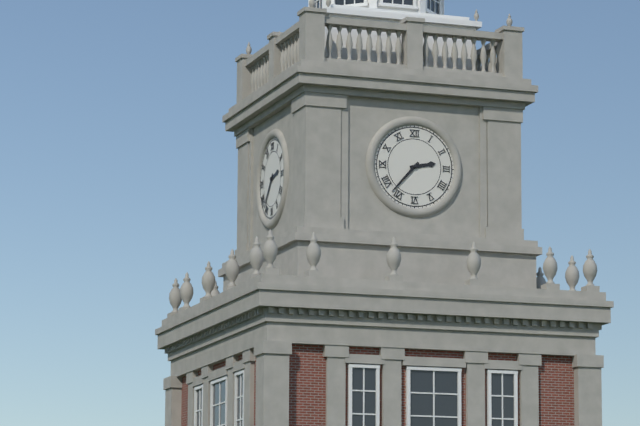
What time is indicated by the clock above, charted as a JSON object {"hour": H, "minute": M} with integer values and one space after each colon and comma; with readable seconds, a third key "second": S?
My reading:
{"hour": 2, "minute": 37}
